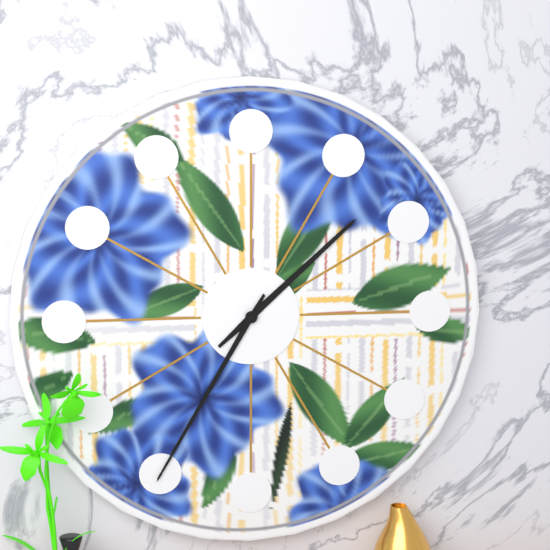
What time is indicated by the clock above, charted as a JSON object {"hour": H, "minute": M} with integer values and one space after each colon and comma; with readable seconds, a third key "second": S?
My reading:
{"hour": 1, "minute": 35}
